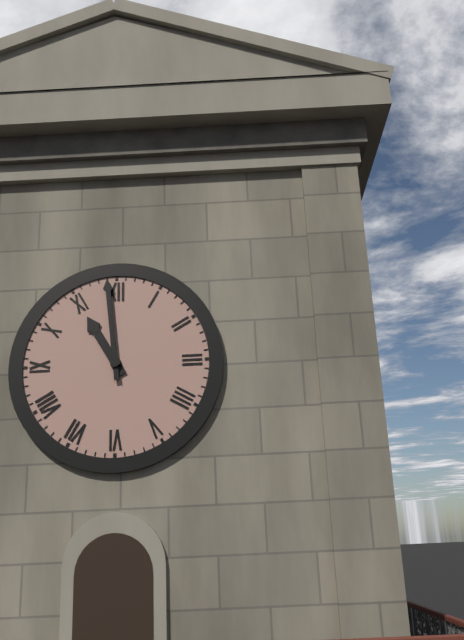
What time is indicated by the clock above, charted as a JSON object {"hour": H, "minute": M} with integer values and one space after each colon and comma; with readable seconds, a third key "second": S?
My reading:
{"hour": 10, "minute": 59}
